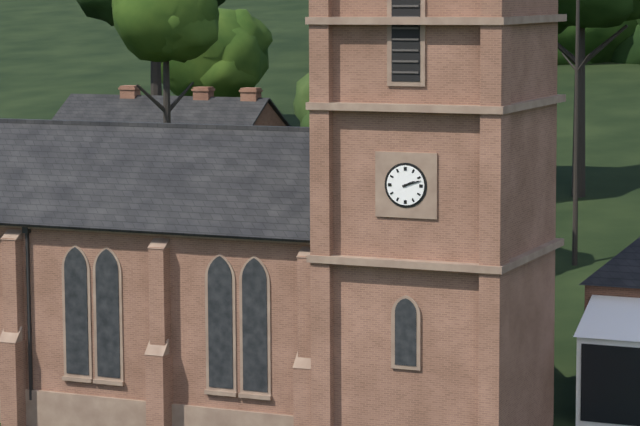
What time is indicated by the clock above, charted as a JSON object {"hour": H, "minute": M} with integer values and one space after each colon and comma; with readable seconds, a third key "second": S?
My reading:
{"hour": 2, "minute": 12}
